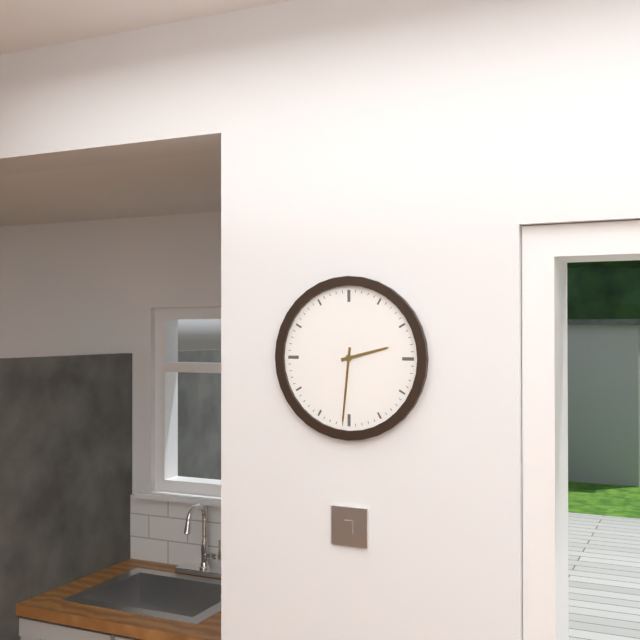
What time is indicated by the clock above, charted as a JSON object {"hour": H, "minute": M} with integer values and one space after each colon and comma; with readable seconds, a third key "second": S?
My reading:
{"hour": 2, "minute": 31}
